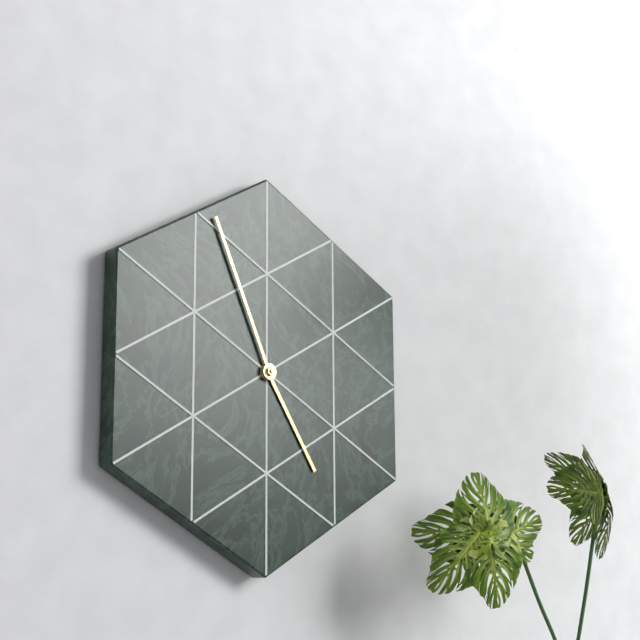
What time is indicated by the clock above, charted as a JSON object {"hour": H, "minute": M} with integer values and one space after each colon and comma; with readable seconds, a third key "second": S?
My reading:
{"hour": 4, "minute": 56}
